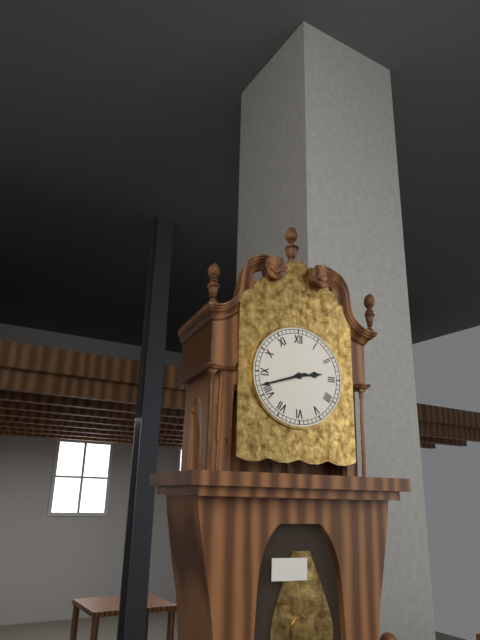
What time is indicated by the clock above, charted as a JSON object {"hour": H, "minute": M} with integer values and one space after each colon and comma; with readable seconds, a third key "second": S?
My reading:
{"hour": 2, "minute": 42}
